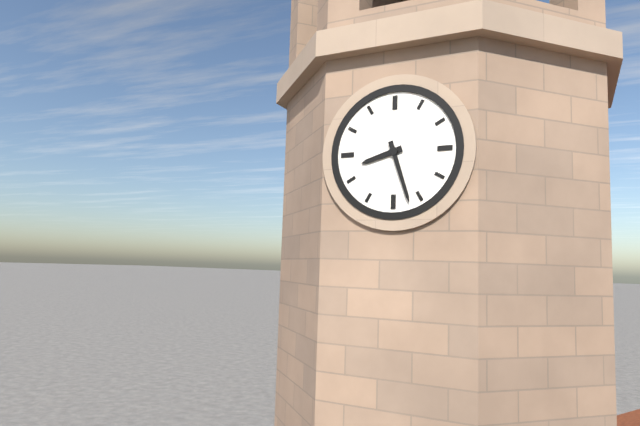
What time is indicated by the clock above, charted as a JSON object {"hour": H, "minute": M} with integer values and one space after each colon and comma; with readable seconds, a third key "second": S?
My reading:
{"hour": 8, "minute": 27}
